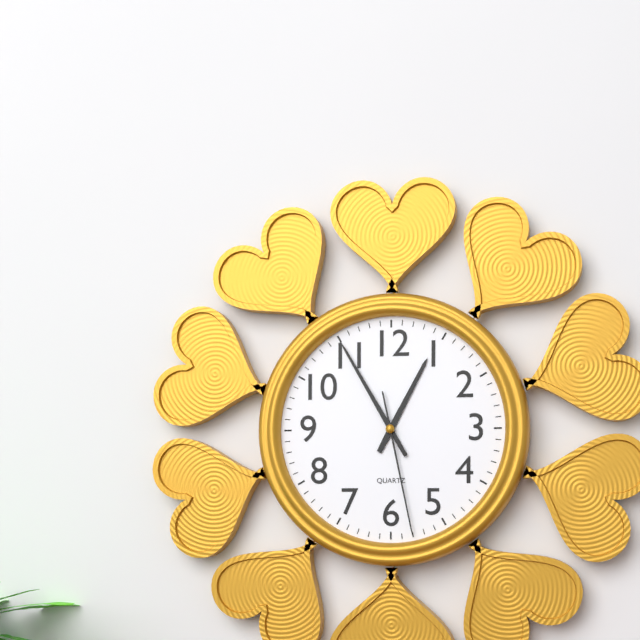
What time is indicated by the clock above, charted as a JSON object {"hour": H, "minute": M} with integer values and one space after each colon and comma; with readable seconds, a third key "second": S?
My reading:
{"hour": 12, "minute": 55, "second": 28}
